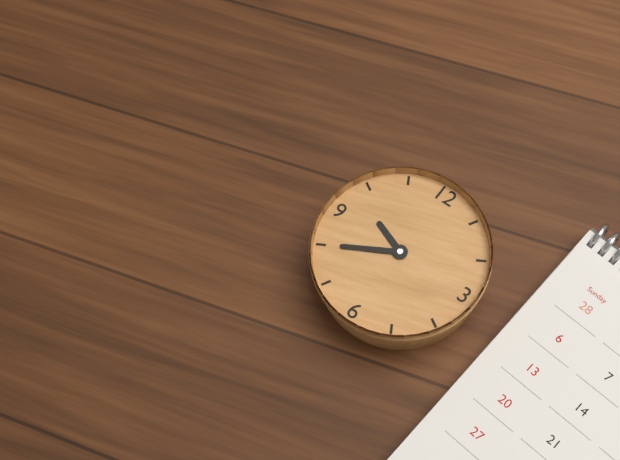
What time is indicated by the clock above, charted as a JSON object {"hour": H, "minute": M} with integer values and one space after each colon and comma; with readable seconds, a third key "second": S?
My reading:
{"hour": 9, "minute": 40}
